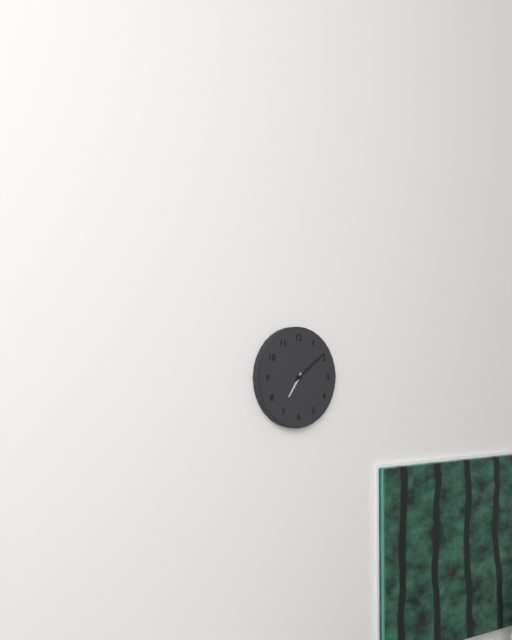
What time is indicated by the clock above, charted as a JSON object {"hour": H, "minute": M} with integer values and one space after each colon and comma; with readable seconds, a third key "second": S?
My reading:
{"hour": 7, "minute": 9}
